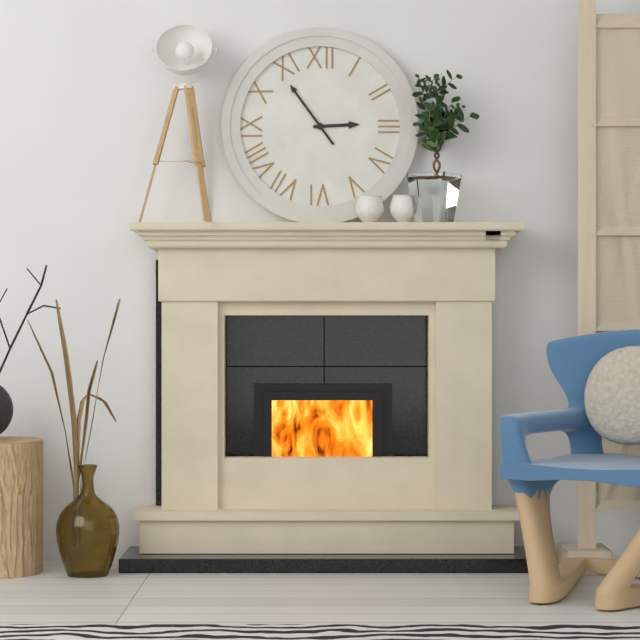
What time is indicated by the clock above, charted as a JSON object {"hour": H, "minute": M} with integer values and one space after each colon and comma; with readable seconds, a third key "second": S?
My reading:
{"hour": 2, "minute": 54}
